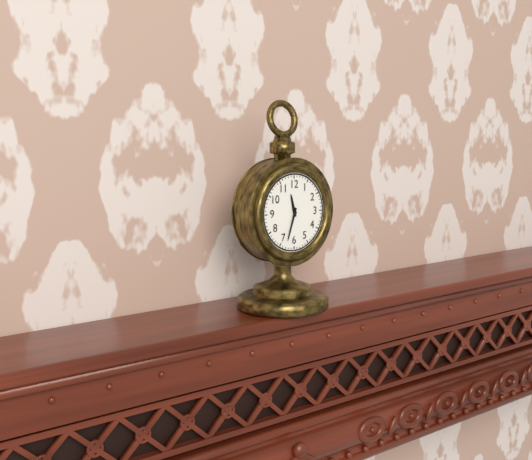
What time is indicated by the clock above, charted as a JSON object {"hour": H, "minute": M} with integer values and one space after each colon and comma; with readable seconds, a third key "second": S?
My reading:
{"hour": 11, "minute": 33}
